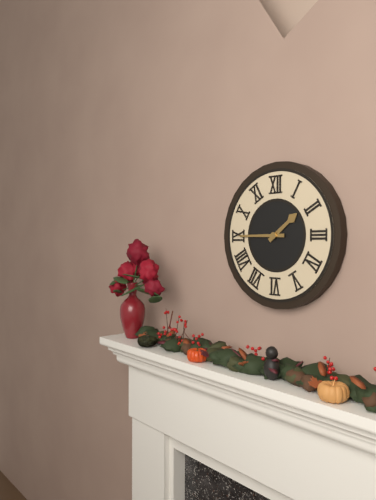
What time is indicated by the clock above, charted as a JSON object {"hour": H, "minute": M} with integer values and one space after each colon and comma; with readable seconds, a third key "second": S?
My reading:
{"hour": 1, "minute": 45}
